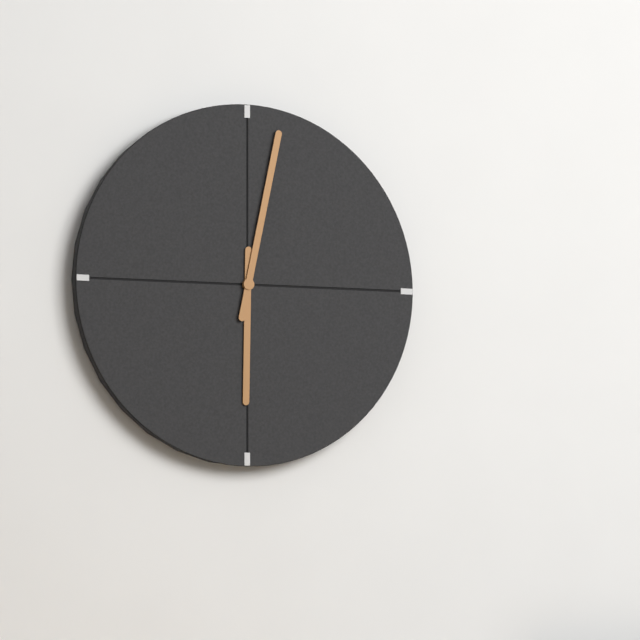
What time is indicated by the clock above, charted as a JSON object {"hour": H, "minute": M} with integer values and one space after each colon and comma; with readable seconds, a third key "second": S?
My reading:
{"hour": 6, "minute": 2}
